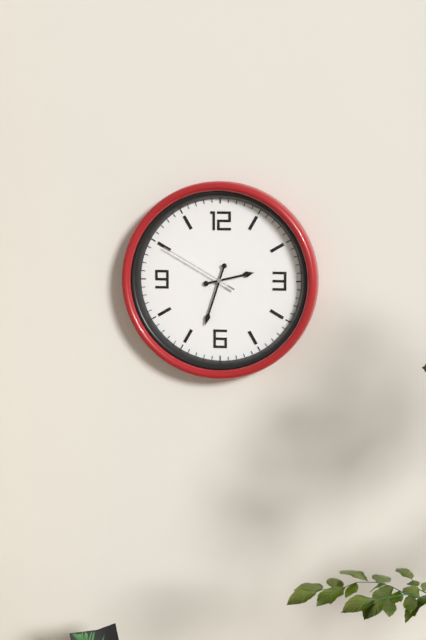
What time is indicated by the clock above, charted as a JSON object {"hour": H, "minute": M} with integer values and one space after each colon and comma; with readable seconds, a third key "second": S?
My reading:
{"hour": 2, "minute": 33, "second": 50}
